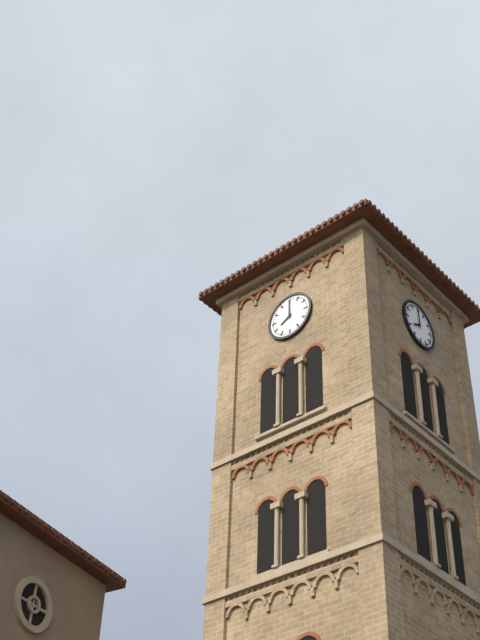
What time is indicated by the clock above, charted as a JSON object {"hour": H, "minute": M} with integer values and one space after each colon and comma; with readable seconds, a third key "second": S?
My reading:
{"hour": 8, "minute": 0}
